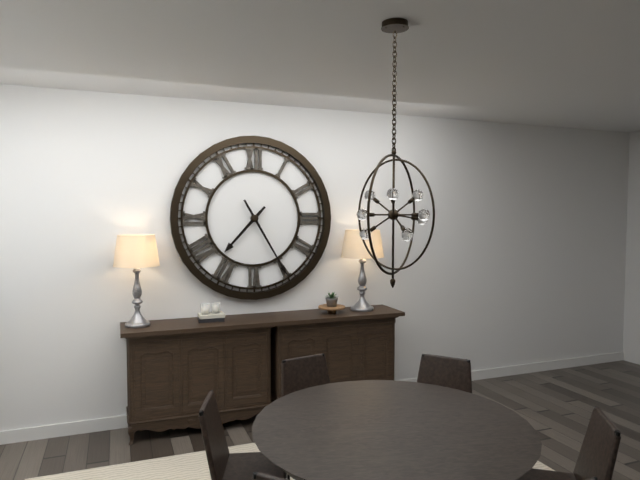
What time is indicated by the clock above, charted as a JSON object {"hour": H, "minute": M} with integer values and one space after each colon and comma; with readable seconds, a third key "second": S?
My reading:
{"hour": 7, "minute": 25}
